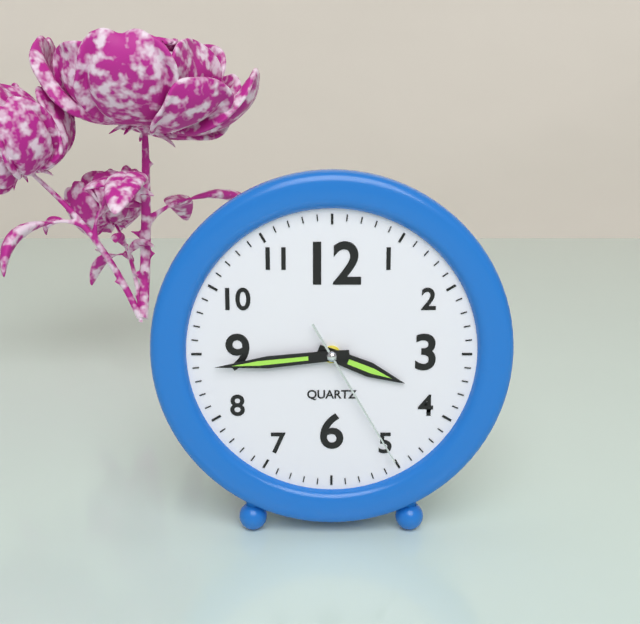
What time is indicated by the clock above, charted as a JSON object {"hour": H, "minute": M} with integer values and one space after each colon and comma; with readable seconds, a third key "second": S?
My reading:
{"hour": 3, "minute": 44, "second": 25}
